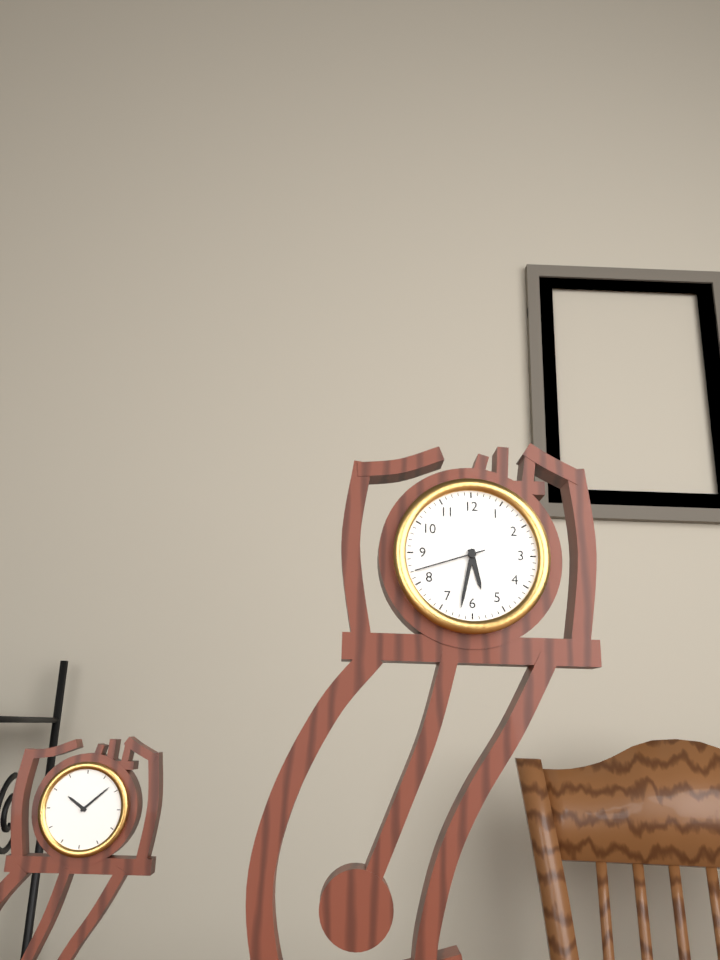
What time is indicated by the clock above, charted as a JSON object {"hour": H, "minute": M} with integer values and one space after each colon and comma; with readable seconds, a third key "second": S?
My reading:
{"hour": 5, "minute": 32, "second": 42}
